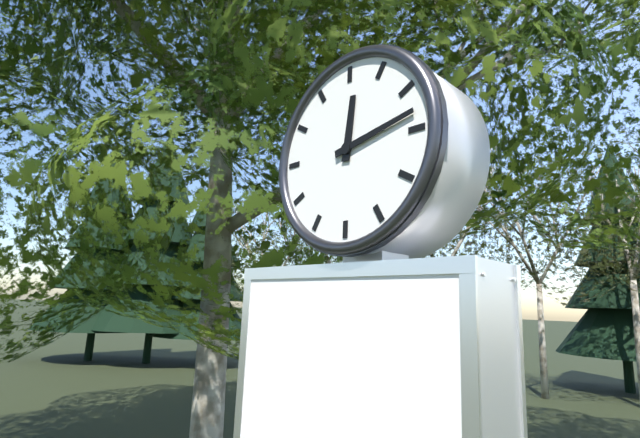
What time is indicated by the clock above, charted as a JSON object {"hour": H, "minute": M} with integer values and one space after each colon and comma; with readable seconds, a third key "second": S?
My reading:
{"hour": 12, "minute": 13}
